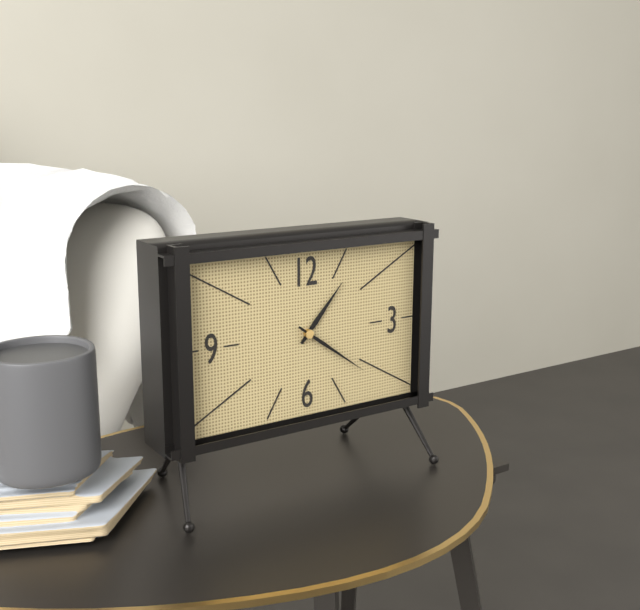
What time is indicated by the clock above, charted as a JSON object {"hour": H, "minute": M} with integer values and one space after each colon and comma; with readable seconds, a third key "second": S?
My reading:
{"hour": 1, "minute": 21}
